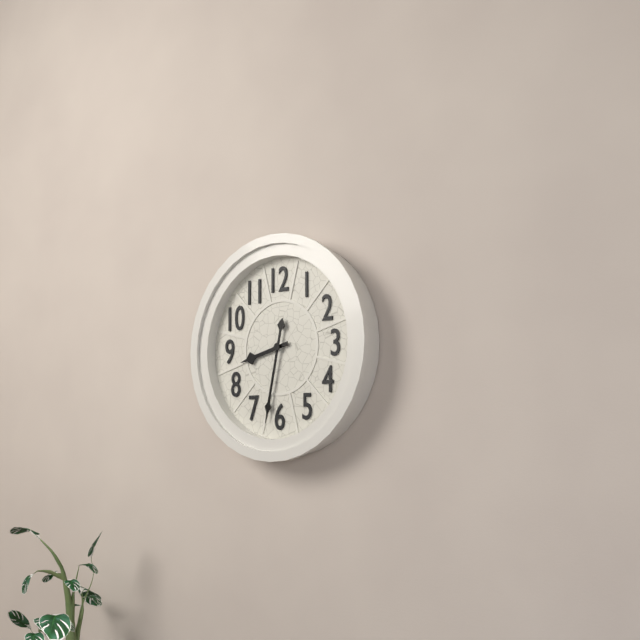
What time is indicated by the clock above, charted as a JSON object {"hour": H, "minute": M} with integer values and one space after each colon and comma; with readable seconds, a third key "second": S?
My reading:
{"hour": 8, "minute": 32}
